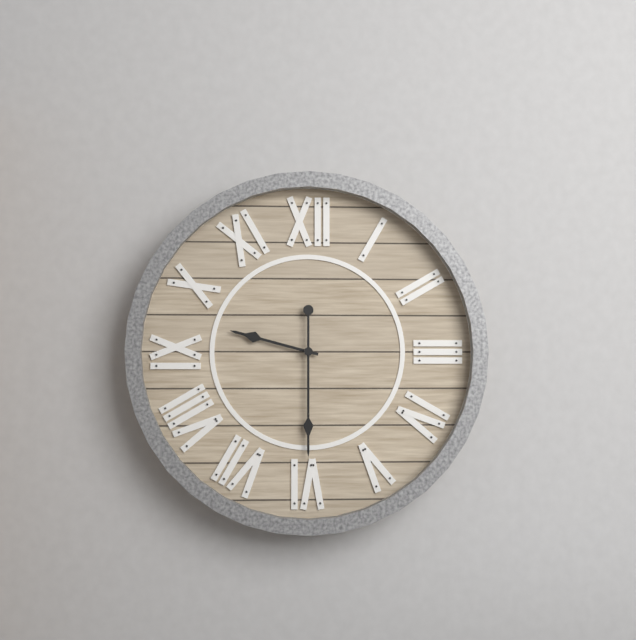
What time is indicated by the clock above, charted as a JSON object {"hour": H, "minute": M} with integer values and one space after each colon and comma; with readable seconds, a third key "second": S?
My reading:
{"hour": 9, "minute": 30}
